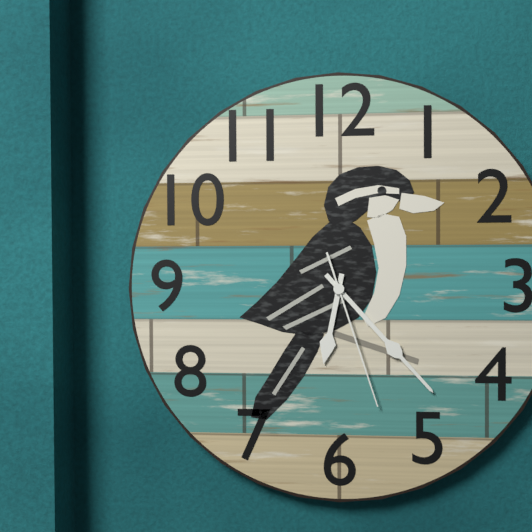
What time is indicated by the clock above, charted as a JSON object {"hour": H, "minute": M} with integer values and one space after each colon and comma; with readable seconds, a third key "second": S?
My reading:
{"hour": 6, "minute": 23, "second": 27}
